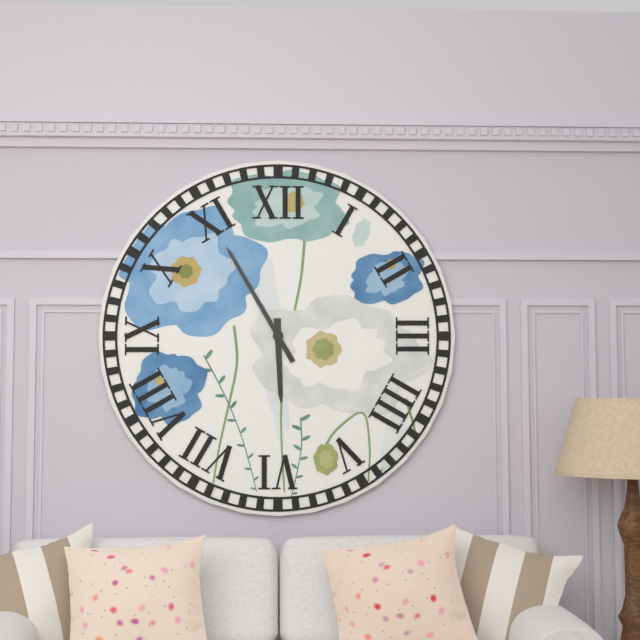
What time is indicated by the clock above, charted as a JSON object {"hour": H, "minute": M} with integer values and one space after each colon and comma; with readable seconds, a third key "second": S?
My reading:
{"hour": 5, "minute": 55}
